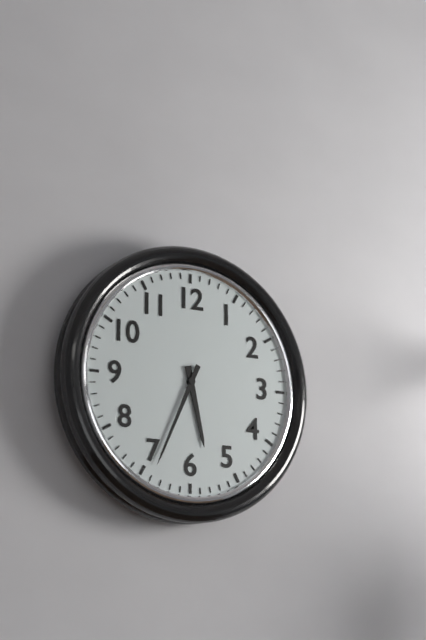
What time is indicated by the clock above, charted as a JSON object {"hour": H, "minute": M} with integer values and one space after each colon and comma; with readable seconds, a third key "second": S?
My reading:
{"hour": 5, "minute": 34}
